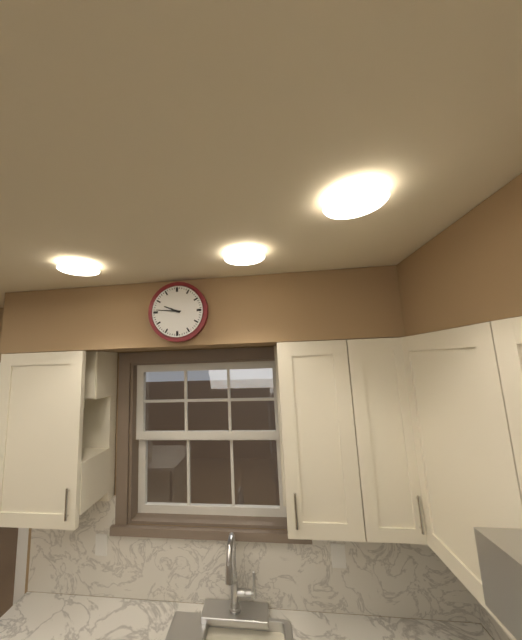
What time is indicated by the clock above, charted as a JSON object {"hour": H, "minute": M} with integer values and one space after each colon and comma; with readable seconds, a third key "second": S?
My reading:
{"hour": 9, "minute": 46}
